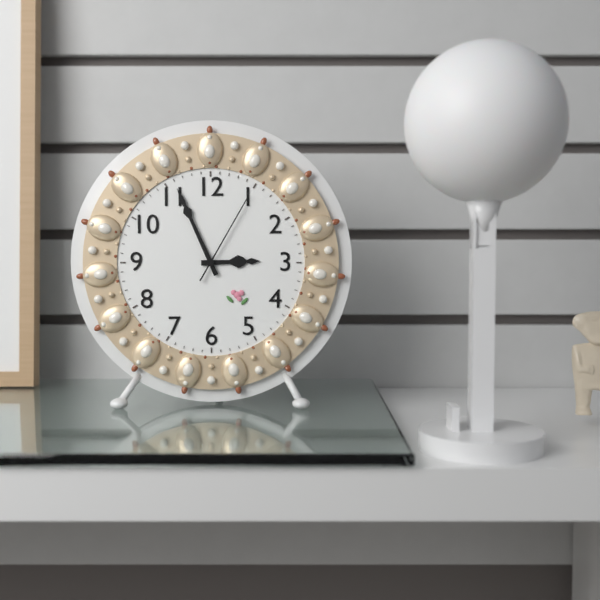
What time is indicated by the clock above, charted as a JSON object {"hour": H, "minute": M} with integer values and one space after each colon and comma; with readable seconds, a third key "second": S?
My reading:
{"hour": 2, "minute": 56, "second": 5}
